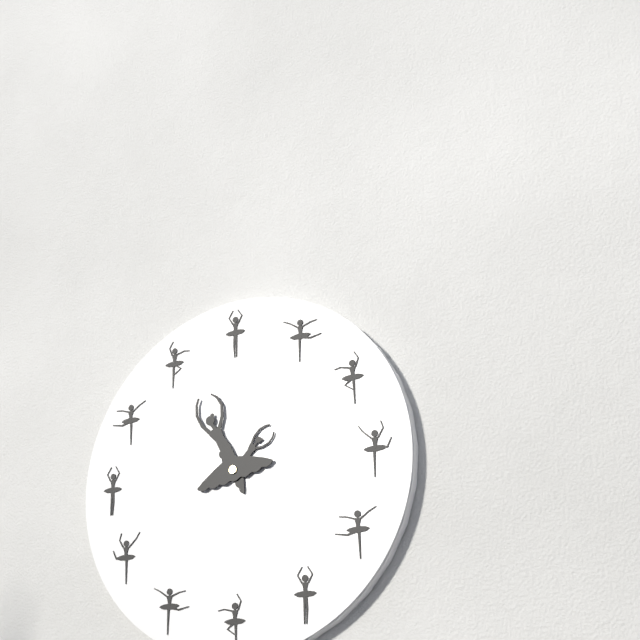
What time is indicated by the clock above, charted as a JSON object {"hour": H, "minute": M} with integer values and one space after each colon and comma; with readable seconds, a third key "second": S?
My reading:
{"hour": 1, "minute": 58}
